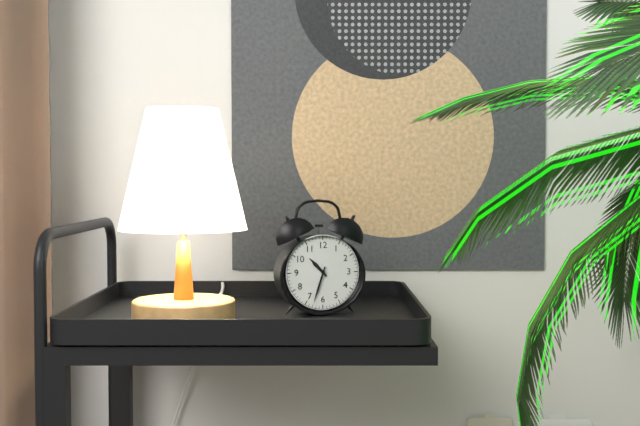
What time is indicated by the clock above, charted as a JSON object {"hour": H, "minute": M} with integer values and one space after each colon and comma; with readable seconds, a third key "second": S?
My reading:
{"hour": 10, "minute": 33}
